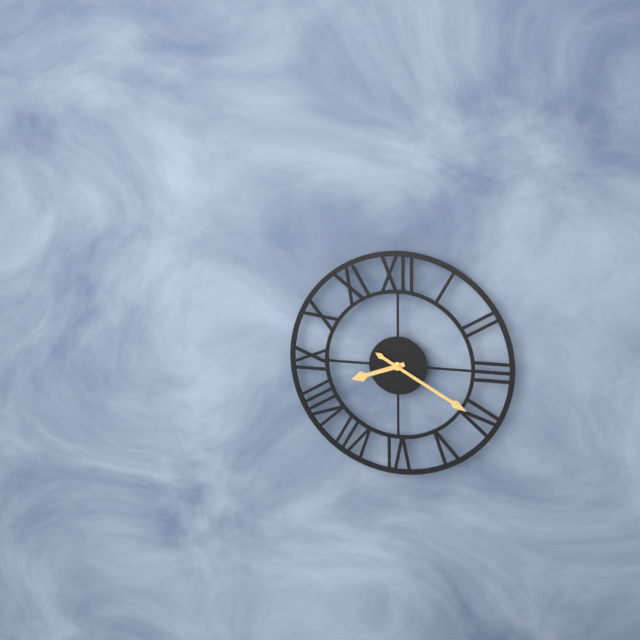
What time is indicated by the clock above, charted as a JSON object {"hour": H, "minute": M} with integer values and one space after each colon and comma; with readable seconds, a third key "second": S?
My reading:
{"hour": 8, "minute": 20}
